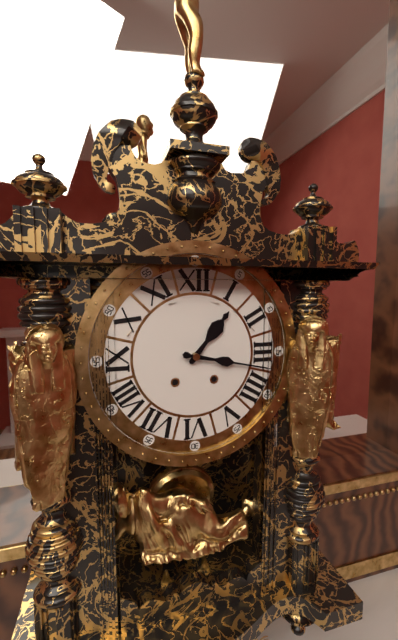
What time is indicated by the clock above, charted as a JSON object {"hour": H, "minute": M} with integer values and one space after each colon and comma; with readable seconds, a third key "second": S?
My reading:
{"hour": 1, "minute": 17}
